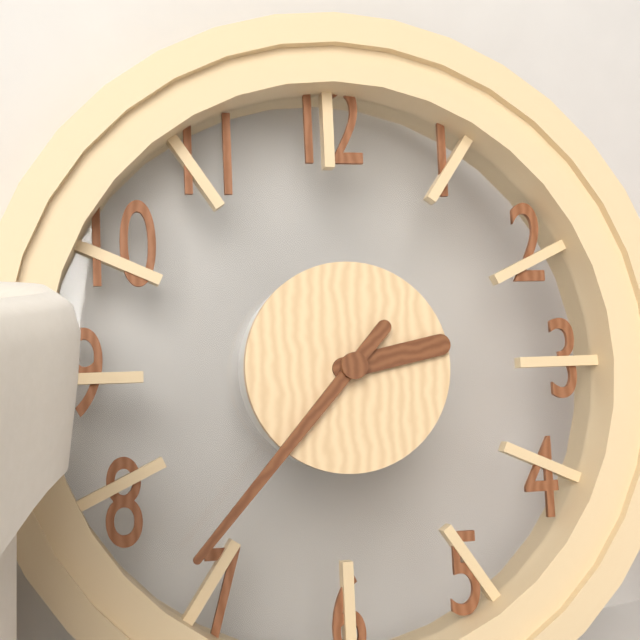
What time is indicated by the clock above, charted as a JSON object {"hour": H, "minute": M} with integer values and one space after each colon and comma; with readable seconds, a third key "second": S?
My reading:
{"hour": 2, "minute": 37}
